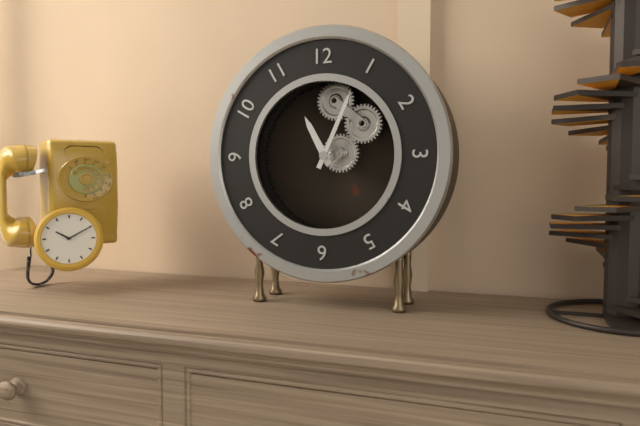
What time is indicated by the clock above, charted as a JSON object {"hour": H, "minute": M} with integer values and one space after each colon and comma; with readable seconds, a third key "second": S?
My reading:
{"hour": 11, "minute": 4}
